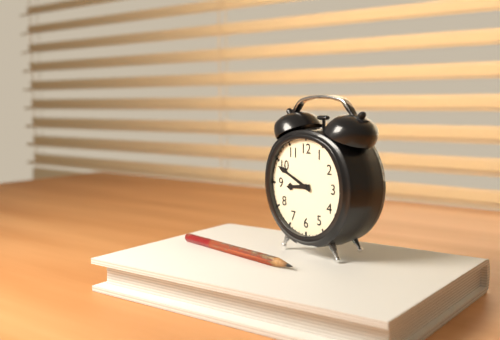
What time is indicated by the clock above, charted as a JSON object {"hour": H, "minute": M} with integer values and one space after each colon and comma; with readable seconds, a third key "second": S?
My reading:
{"hour": 8, "minute": 49}
